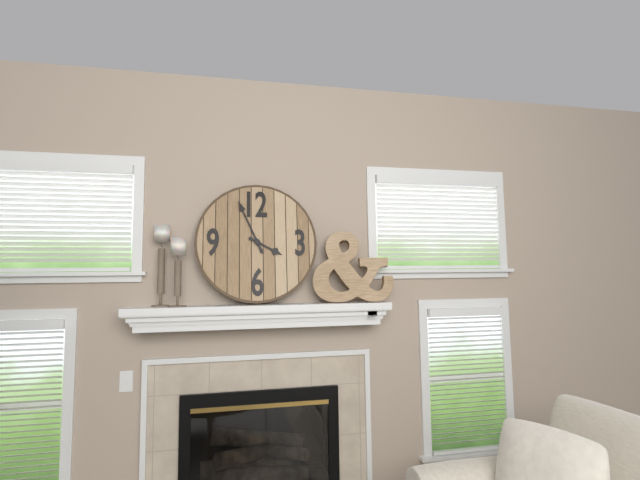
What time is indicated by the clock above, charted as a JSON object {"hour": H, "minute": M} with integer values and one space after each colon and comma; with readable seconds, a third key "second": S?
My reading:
{"hour": 3, "minute": 56}
